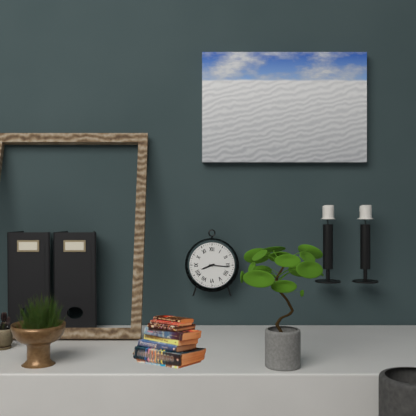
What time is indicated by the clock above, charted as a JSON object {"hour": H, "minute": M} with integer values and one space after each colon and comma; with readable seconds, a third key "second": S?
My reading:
{"hour": 8, "minute": 16}
